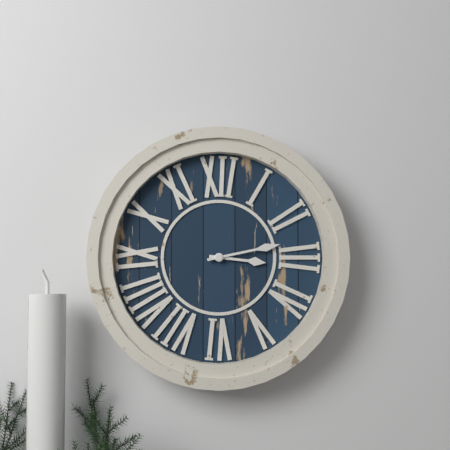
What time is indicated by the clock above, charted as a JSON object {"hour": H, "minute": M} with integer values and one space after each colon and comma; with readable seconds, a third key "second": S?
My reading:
{"hour": 3, "minute": 13}
